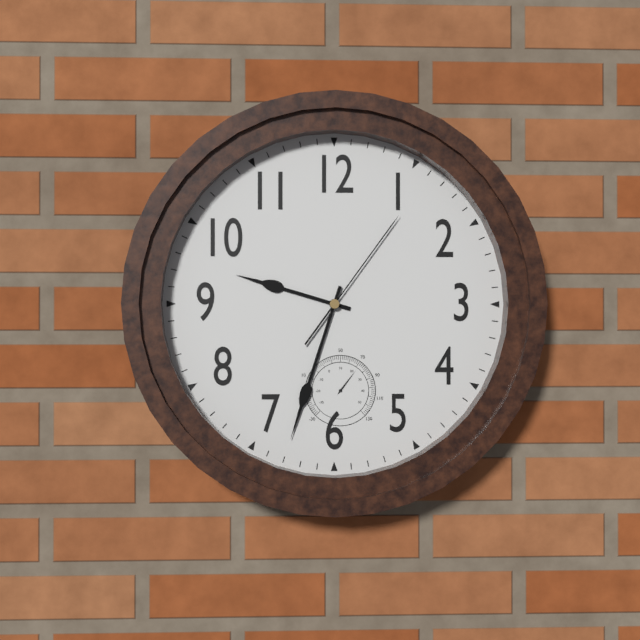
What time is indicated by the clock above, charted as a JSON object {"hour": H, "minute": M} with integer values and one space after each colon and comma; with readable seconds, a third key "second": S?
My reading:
{"hour": 9, "minute": 33, "second": 6}
